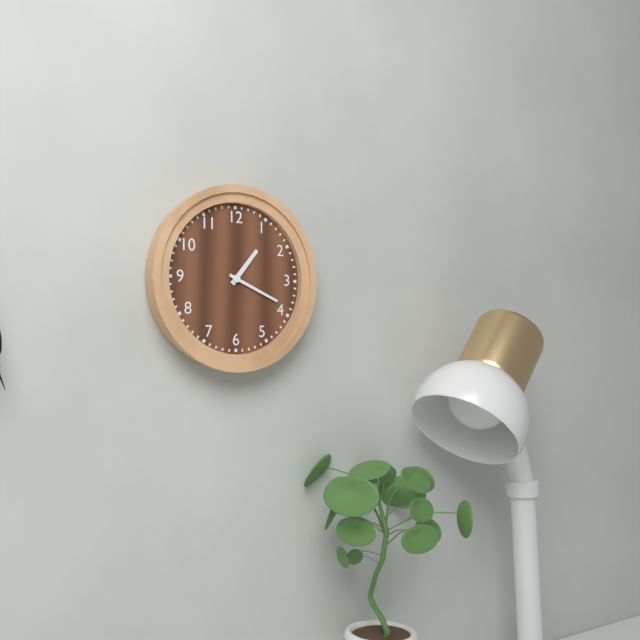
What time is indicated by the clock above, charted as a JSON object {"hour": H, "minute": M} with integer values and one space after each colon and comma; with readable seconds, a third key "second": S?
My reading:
{"hour": 1, "minute": 19}
